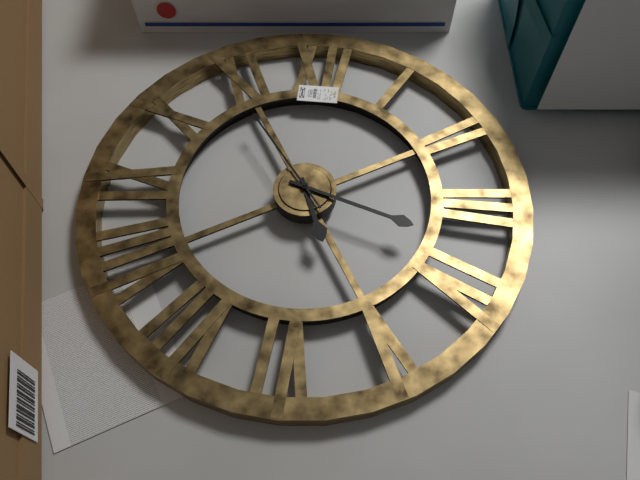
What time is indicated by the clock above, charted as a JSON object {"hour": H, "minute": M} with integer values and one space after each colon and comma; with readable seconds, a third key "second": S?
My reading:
{"hour": 5, "minute": 18, "second": 54}
